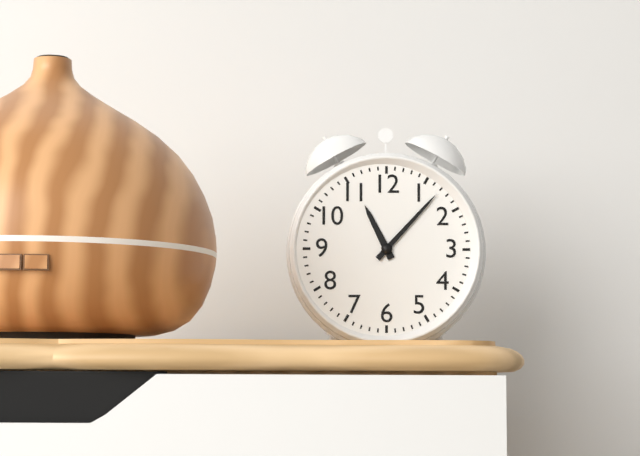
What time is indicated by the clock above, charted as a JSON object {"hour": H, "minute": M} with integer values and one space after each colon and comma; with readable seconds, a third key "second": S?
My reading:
{"hour": 11, "minute": 7}
